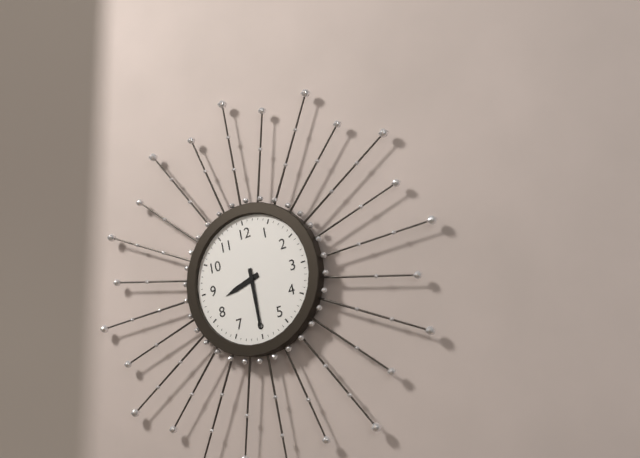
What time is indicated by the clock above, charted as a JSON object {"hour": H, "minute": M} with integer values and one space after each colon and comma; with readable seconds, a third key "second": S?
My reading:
{"hour": 8, "minute": 30}
